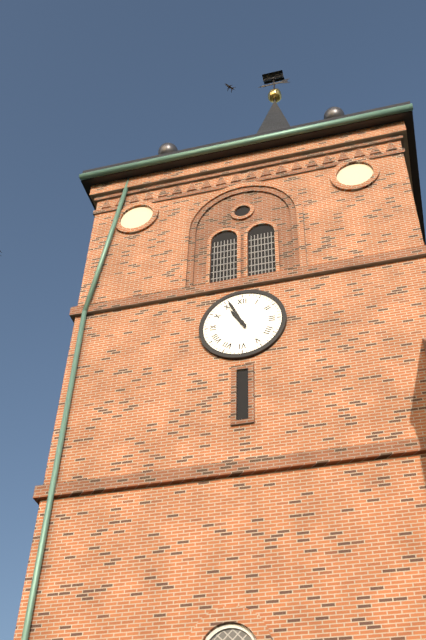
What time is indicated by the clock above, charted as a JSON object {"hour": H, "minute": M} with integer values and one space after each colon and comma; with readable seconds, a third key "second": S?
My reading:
{"hour": 10, "minute": 56}
